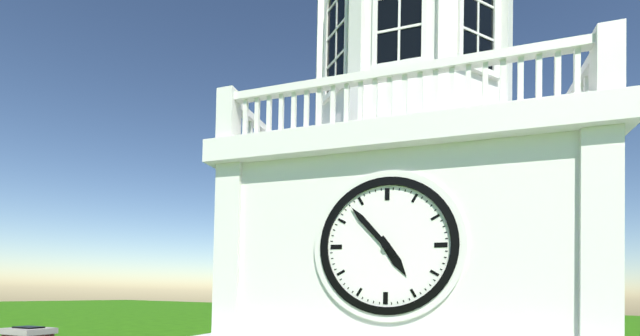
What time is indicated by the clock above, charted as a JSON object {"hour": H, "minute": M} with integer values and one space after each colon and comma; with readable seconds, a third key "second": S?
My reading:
{"hour": 4, "minute": 53}
